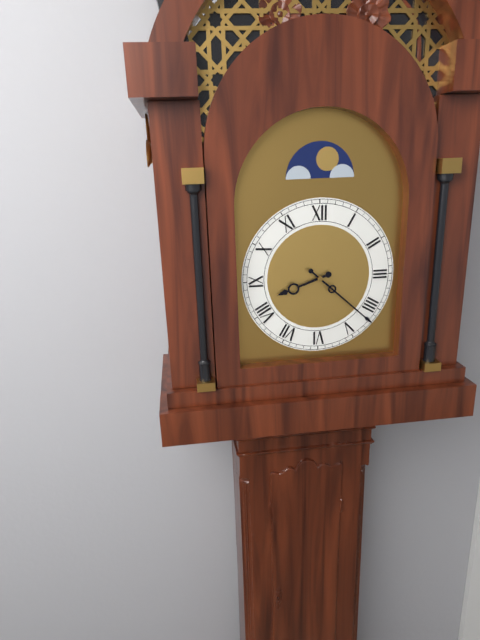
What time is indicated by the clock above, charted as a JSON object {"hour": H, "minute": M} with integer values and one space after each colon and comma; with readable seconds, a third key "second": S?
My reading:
{"hour": 8, "minute": 22}
